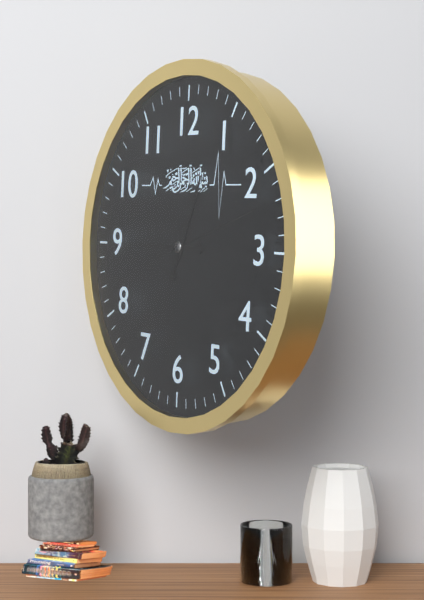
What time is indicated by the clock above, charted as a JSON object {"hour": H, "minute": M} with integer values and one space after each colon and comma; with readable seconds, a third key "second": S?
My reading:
{"hour": 12, "minute": 45, "second": 12}
